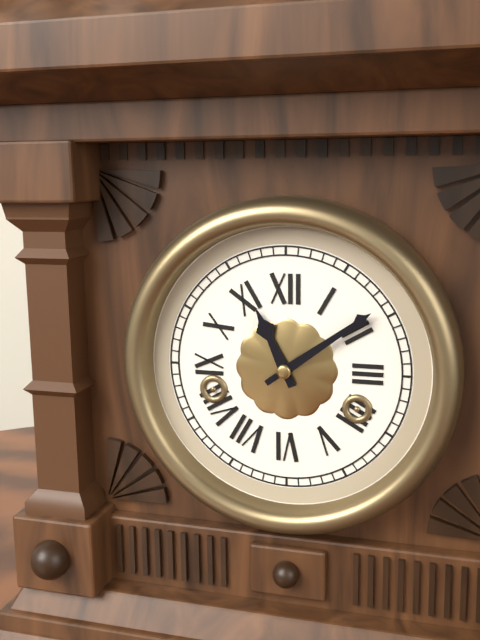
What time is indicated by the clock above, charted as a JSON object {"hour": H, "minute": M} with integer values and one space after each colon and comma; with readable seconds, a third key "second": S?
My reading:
{"hour": 11, "minute": 9}
